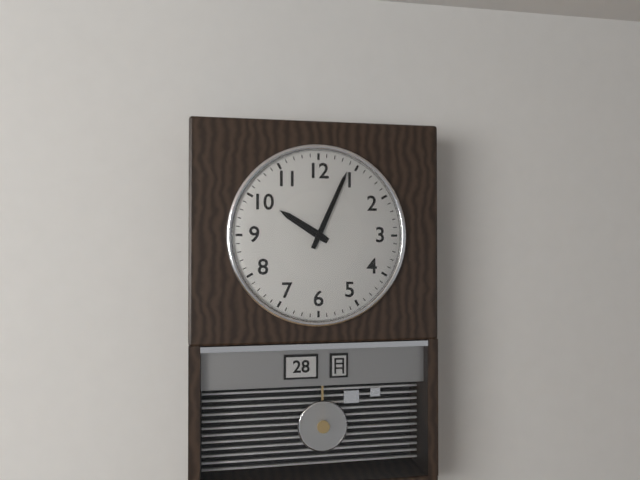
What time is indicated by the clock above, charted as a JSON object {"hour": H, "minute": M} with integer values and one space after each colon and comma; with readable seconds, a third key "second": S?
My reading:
{"hour": 10, "minute": 4}
